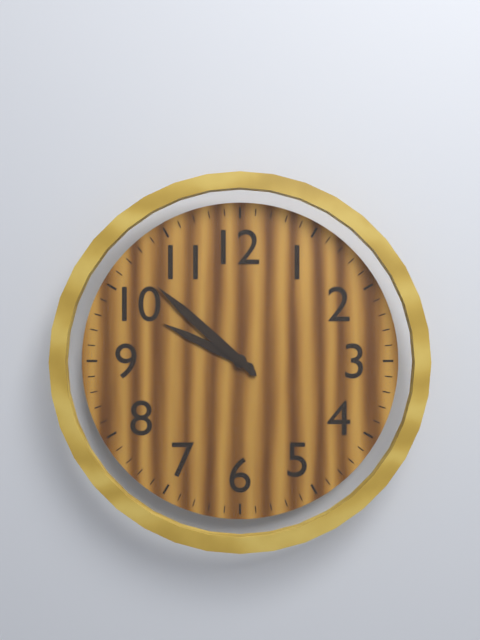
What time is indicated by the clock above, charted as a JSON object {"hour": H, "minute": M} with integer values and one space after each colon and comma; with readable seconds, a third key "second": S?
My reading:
{"hour": 9, "minute": 52}
